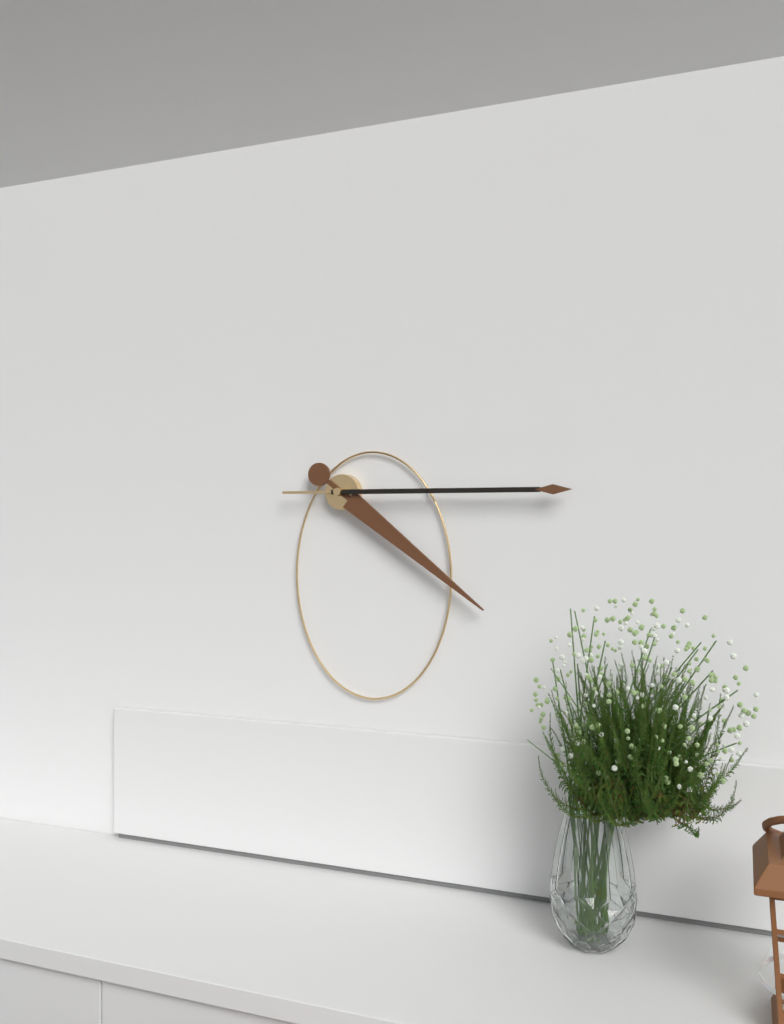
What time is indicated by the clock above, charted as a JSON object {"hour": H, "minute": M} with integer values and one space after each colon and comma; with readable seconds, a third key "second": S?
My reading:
{"hour": 4, "minute": 15}
